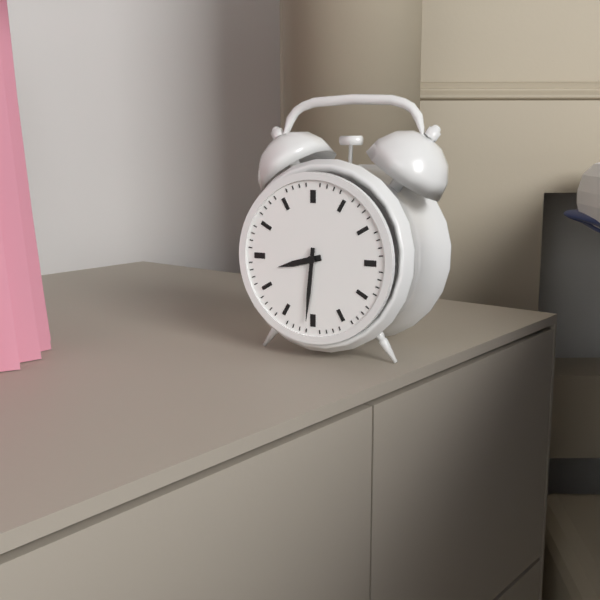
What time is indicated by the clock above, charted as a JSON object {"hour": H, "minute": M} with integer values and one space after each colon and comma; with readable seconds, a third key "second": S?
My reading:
{"hour": 8, "minute": 31}
